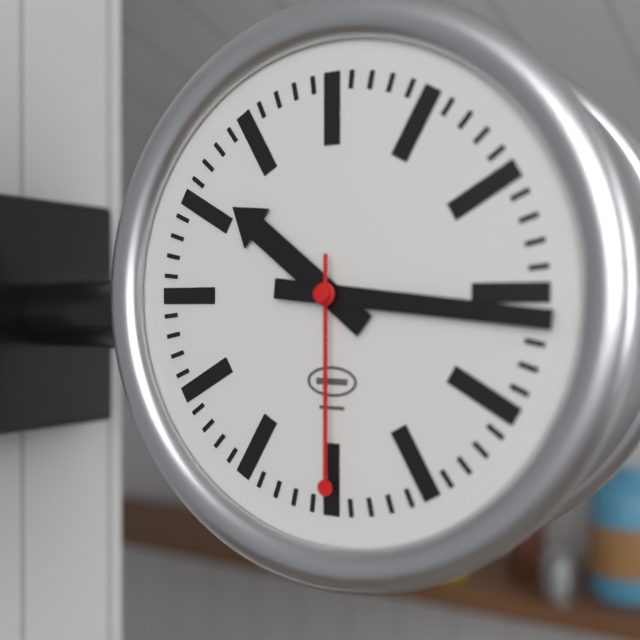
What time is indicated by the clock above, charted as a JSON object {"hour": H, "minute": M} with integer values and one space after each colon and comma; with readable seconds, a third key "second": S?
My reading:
{"hour": 10, "minute": 16, "second": 30}
